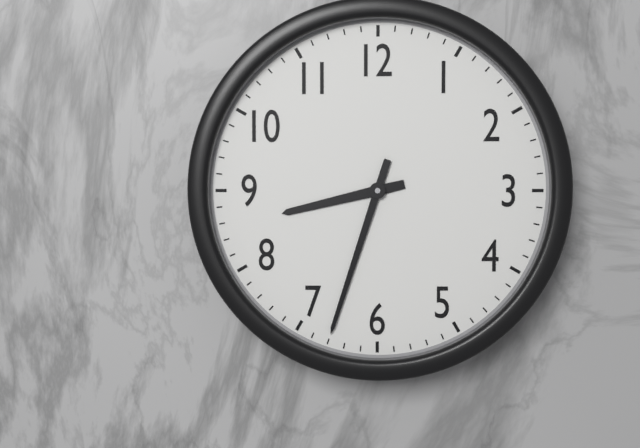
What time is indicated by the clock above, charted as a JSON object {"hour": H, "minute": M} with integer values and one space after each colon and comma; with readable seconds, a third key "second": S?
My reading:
{"hour": 8, "minute": 33}
